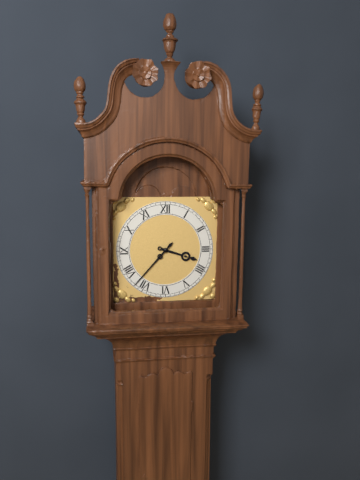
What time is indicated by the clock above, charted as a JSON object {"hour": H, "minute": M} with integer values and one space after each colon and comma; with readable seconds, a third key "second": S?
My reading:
{"hour": 3, "minute": 37}
